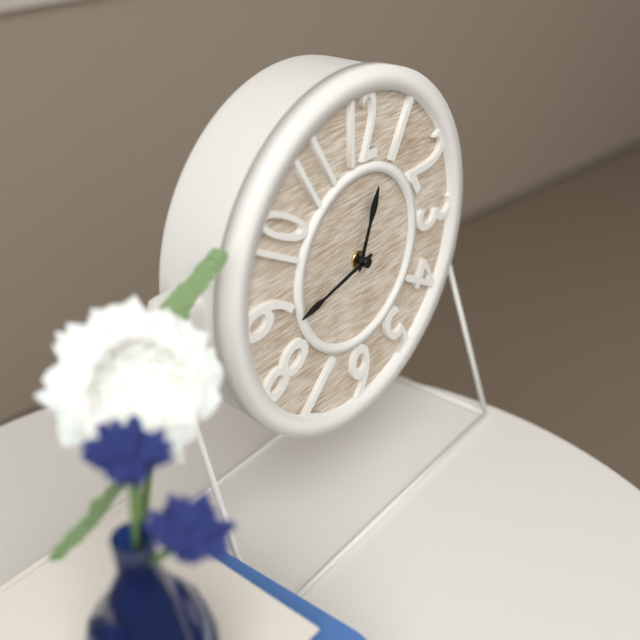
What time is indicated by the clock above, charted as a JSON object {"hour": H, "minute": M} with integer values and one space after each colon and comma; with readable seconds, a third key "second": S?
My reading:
{"hour": 12, "minute": 43}
